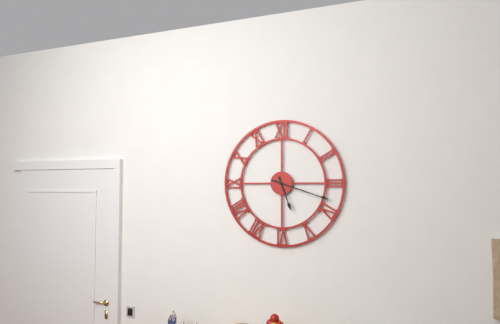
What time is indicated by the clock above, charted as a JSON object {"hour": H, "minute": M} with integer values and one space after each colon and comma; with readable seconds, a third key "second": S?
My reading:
{"hour": 5, "minute": 18}
